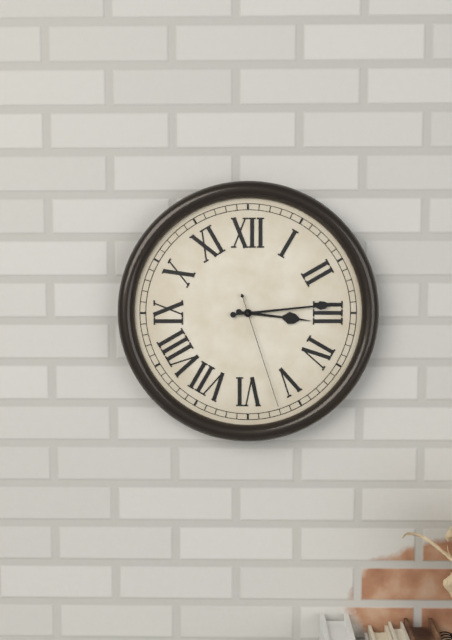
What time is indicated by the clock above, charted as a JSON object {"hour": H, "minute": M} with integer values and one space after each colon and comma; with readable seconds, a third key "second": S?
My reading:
{"hour": 3, "minute": 14, "second": 27}
